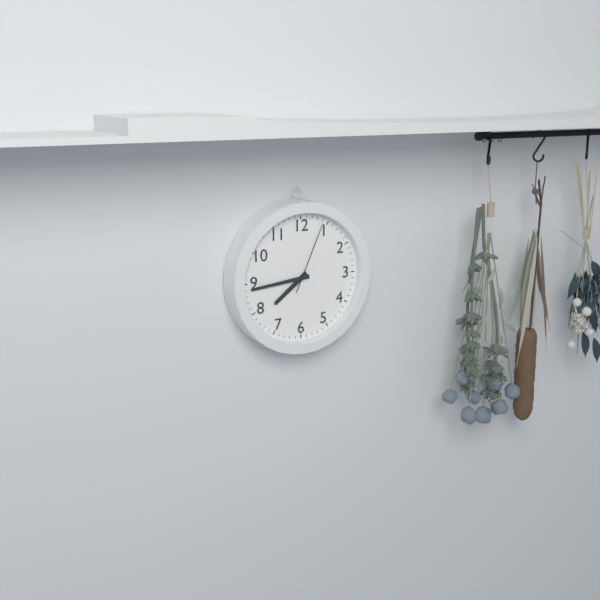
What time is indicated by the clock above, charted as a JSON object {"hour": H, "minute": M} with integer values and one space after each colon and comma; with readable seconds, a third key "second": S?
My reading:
{"hour": 7, "minute": 44, "second": 4}
